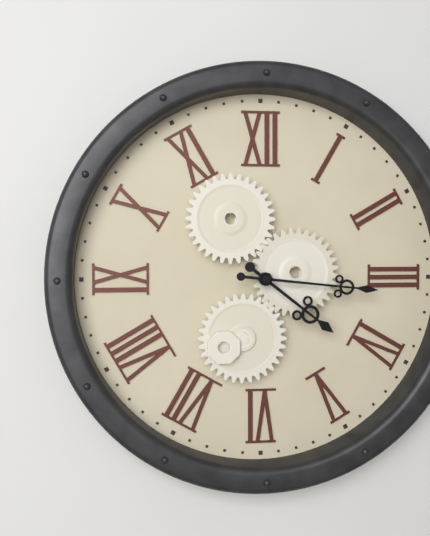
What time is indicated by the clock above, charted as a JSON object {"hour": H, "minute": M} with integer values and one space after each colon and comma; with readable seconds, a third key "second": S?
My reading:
{"hour": 4, "minute": 16}
